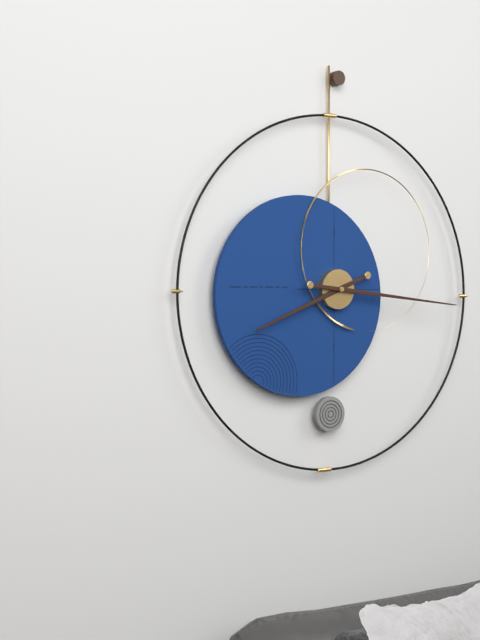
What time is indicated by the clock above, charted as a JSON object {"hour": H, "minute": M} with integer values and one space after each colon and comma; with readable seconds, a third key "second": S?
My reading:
{"hour": 8, "minute": 16}
